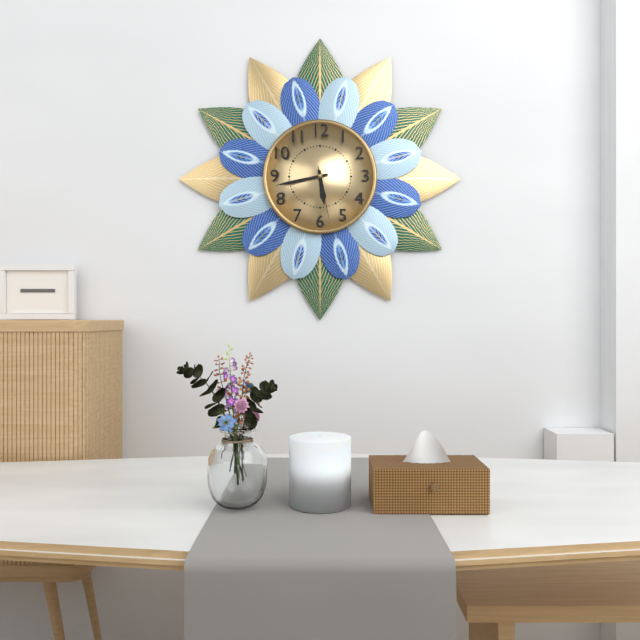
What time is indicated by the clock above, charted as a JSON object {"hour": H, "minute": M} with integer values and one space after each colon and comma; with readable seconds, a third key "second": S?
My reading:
{"hour": 5, "minute": 43}
